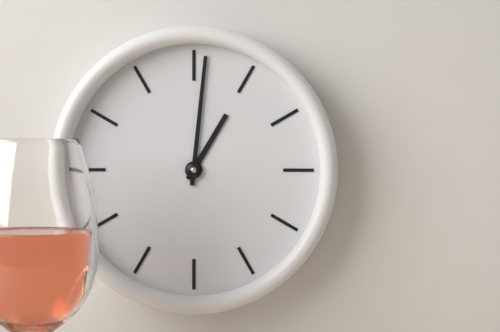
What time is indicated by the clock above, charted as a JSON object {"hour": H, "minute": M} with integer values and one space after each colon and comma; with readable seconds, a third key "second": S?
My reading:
{"hour": 1, "minute": 1}
